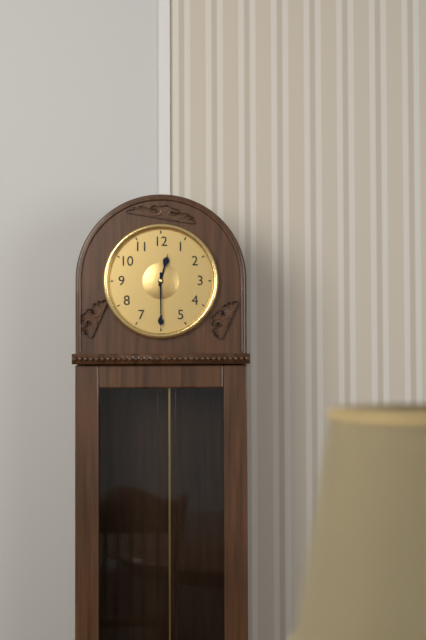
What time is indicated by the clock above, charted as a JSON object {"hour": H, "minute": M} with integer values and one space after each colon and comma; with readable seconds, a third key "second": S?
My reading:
{"hour": 12, "minute": 30}
